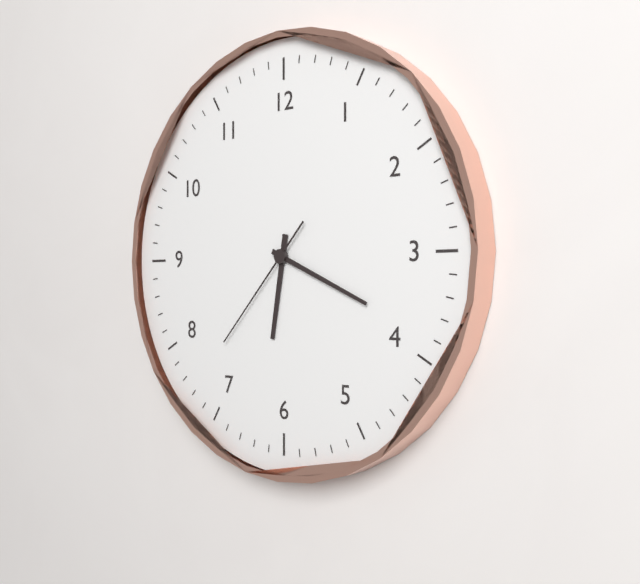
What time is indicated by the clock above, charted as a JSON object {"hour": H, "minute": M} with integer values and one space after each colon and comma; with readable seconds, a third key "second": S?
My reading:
{"hour": 6, "minute": 19, "second": 37}
